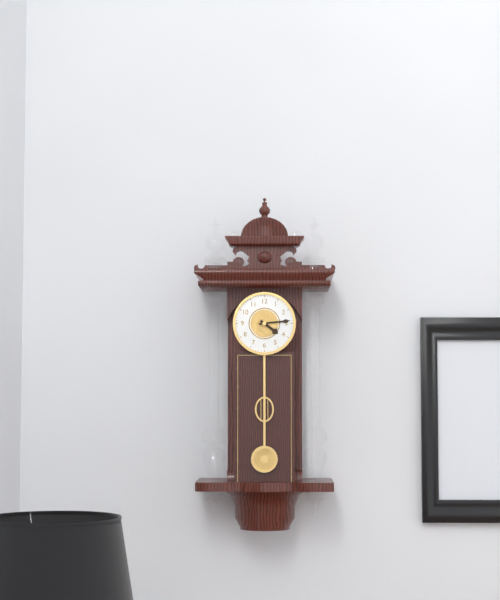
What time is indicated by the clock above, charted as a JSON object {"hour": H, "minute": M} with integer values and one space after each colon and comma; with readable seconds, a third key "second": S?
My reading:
{"hour": 4, "minute": 14}
